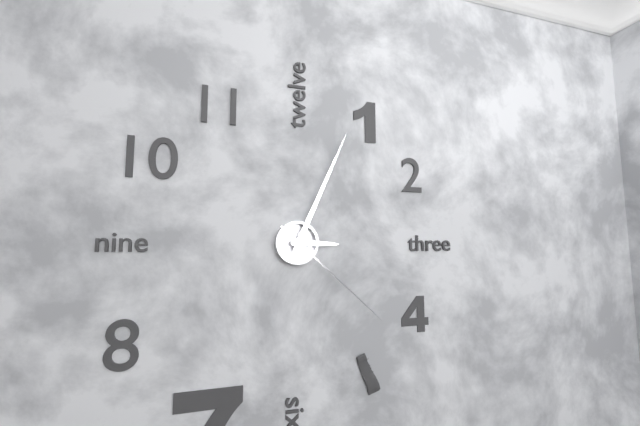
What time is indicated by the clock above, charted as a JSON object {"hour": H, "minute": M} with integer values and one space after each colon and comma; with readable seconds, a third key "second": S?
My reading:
{"hour": 3, "minute": 4, "second": 22}
